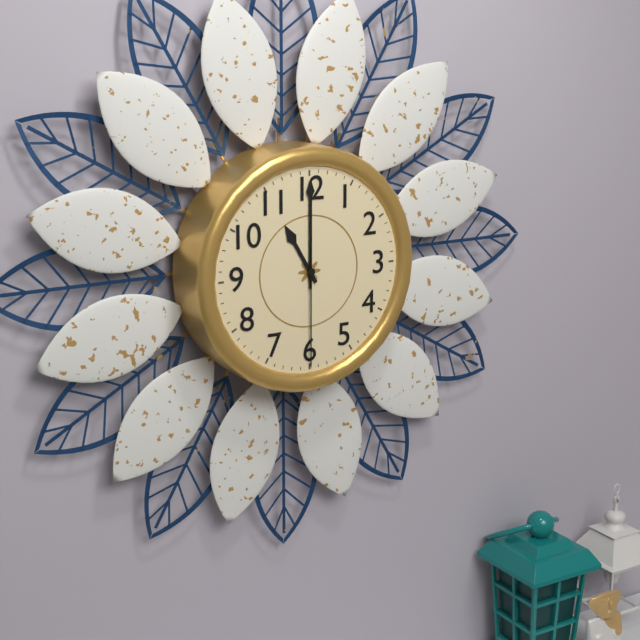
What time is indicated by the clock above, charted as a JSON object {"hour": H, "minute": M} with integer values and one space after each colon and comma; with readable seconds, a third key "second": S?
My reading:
{"hour": 11, "minute": 0, "second": 30}
